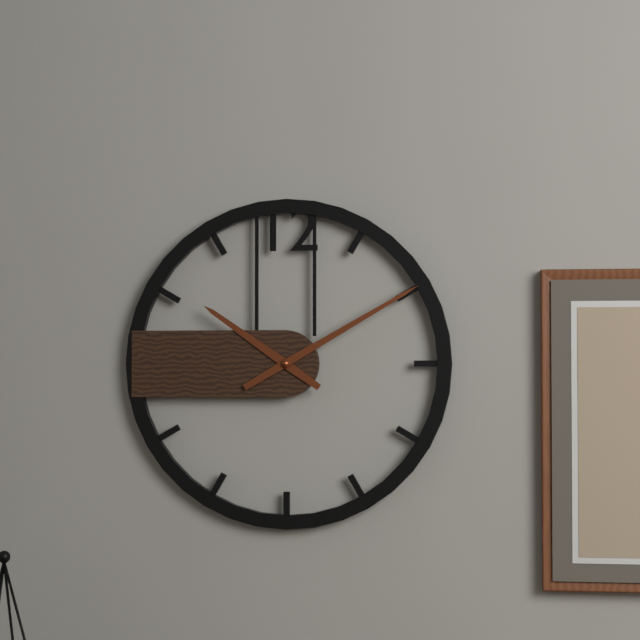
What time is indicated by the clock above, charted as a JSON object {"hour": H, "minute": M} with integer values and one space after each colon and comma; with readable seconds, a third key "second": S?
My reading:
{"hour": 10, "minute": 10}
